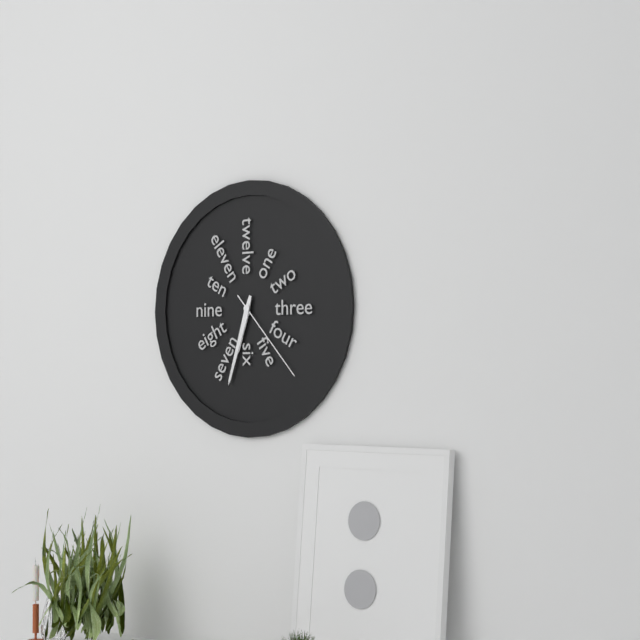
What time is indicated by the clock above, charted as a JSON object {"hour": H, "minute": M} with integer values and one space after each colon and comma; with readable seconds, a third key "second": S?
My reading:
{"hour": 6, "minute": 33, "second": 23}
